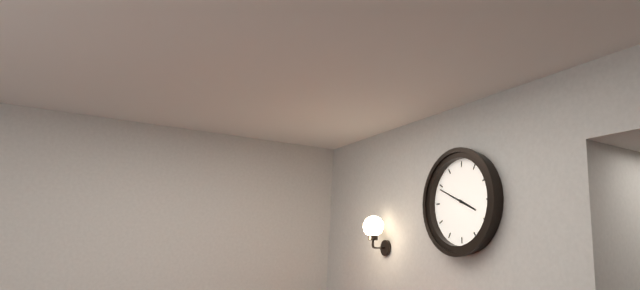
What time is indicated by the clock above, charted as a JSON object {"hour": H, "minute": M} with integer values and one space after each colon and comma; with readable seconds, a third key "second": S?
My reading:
{"hour": 3, "minute": 49}
